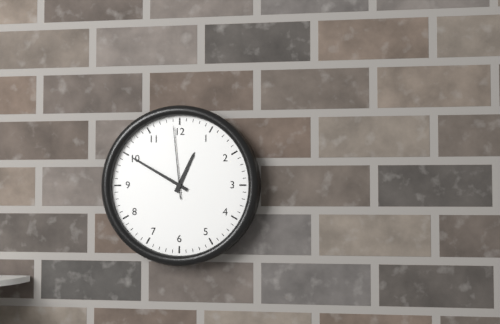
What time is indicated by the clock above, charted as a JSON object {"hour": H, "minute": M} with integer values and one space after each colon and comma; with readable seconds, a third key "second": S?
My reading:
{"hour": 12, "minute": 50, "second": 59}
